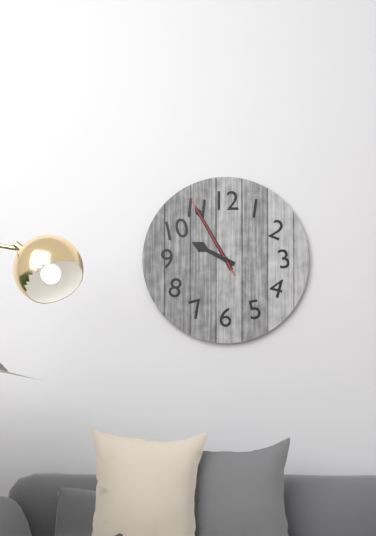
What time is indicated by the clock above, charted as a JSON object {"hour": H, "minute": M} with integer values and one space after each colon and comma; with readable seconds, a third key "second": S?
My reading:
{"hour": 9, "minute": 55, "second": 55}
